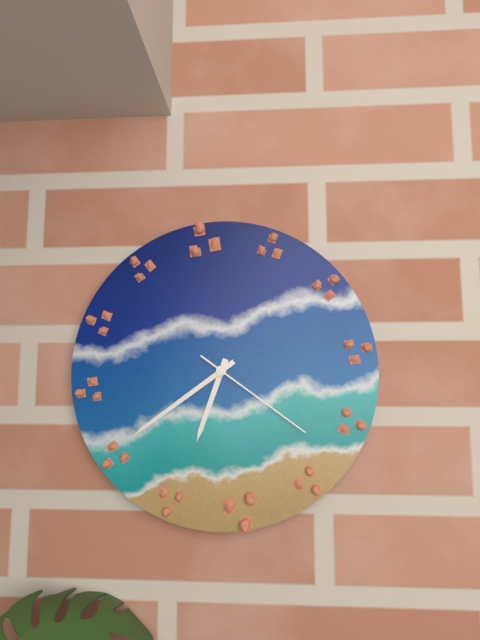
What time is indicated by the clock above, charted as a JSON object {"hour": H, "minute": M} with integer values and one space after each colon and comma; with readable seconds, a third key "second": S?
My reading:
{"hour": 6, "minute": 39, "second": 21}
